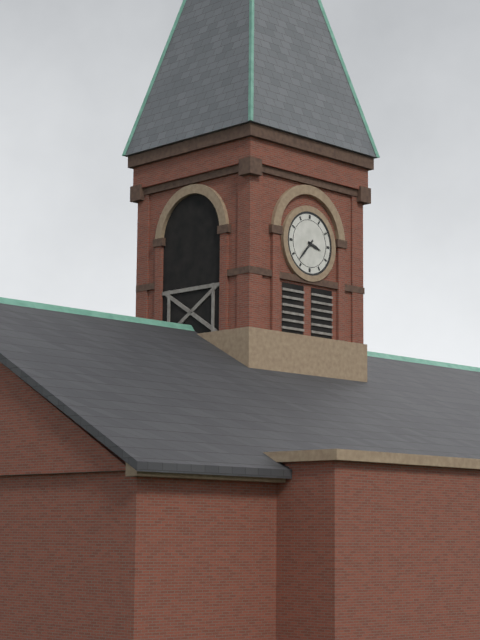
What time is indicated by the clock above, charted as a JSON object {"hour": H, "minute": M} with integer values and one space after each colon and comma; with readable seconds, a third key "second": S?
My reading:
{"hour": 3, "minute": 37}
